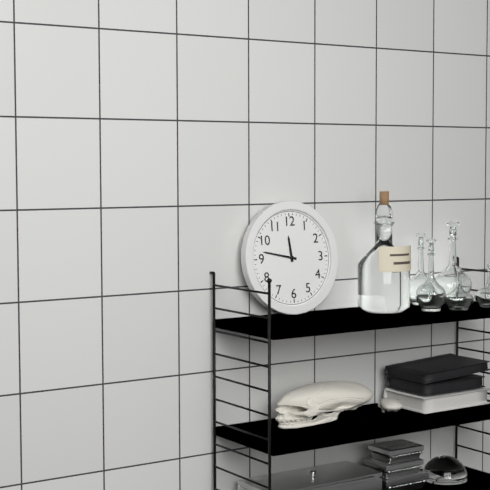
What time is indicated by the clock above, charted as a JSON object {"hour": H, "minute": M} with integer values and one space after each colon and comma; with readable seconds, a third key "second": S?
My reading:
{"hour": 11, "minute": 47}
